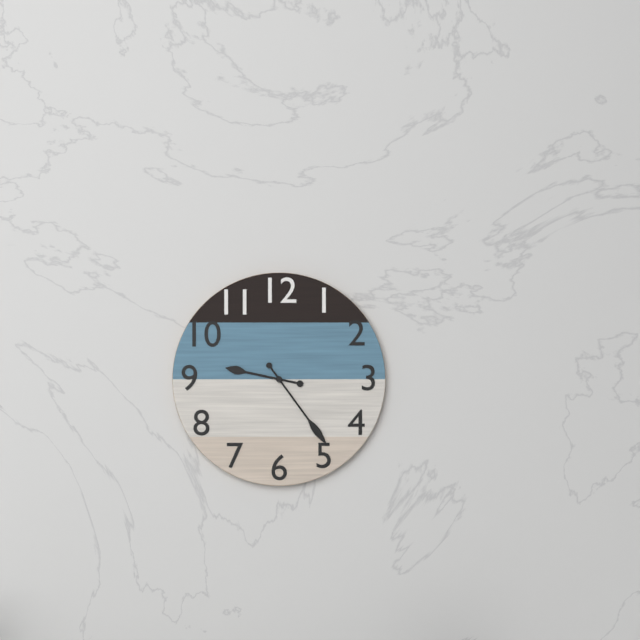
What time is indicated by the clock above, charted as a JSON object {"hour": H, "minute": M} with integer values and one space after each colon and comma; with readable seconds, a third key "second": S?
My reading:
{"hour": 9, "minute": 24}
